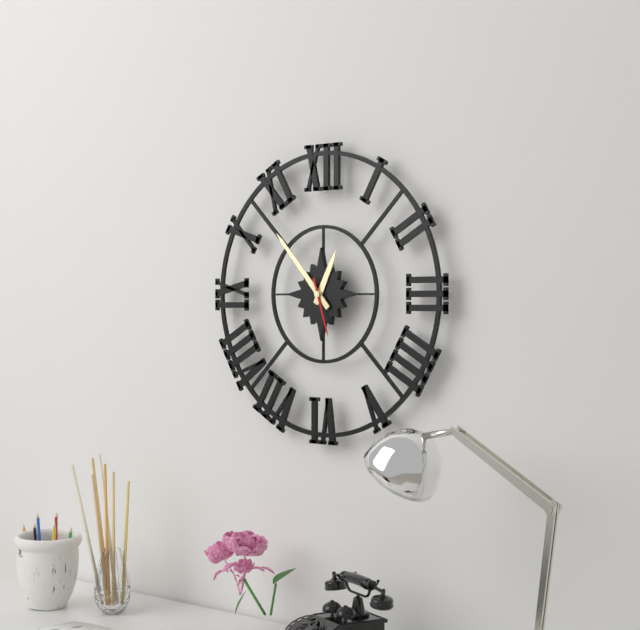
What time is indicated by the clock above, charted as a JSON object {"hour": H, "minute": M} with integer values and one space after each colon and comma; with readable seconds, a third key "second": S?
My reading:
{"hour": 12, "minute": 53, "second": 27}
